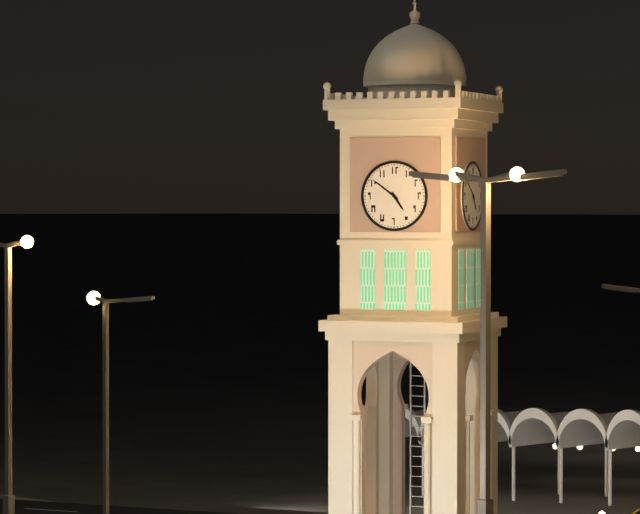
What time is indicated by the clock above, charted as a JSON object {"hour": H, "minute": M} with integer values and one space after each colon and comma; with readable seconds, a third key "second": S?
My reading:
{"hour": 4, "minute": 51}
